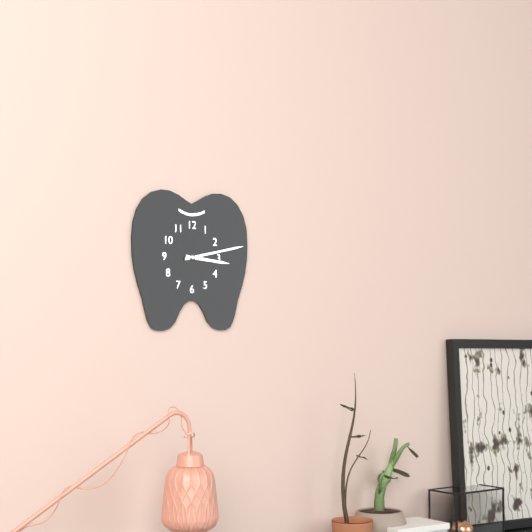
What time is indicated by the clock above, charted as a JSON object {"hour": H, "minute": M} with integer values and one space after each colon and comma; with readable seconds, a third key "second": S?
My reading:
{"hour": 3, "minute": 13}
